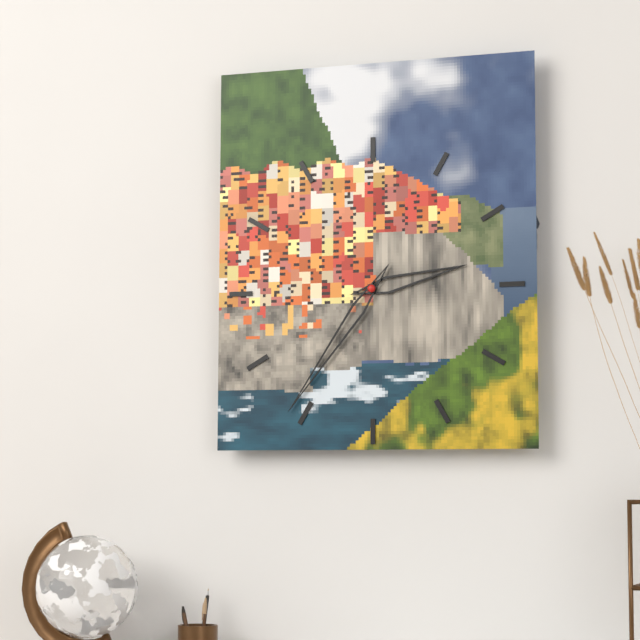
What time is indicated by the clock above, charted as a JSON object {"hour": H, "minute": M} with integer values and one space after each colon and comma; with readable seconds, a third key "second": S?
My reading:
{"hour": 2, "minute": 36}
